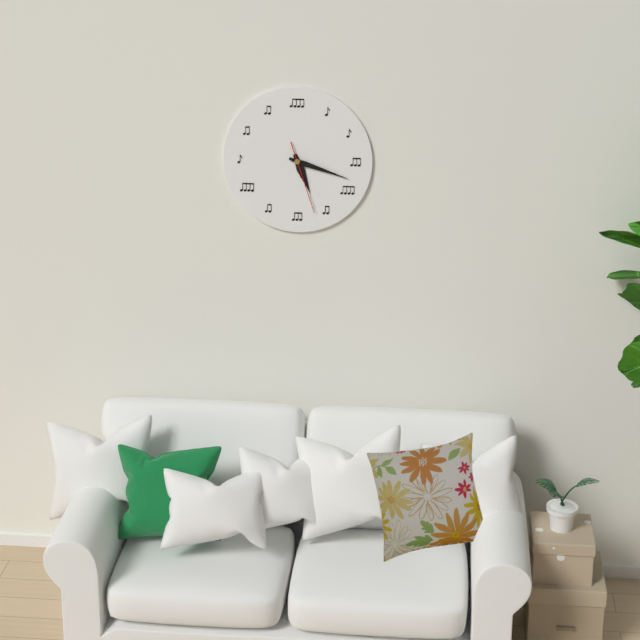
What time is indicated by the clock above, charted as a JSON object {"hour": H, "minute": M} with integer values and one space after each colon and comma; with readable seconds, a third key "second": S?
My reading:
{"hour": 5, "minute": 18, "second": 27}
